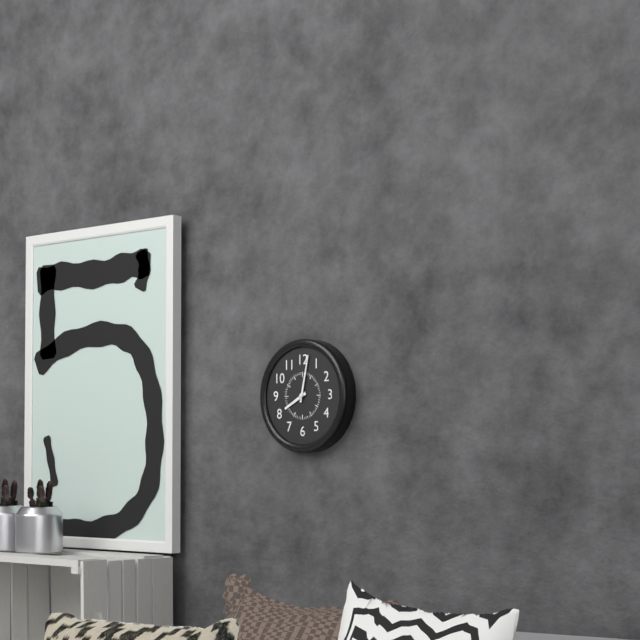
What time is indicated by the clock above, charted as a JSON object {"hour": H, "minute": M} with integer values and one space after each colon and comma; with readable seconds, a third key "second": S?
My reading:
{"hour": 8, "minute": 2}
